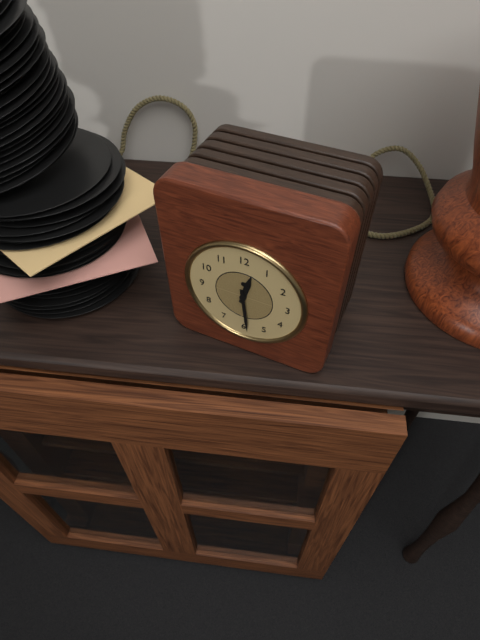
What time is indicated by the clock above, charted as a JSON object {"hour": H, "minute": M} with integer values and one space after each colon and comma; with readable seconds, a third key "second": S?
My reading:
{"hour": 12, "minute": 29}
